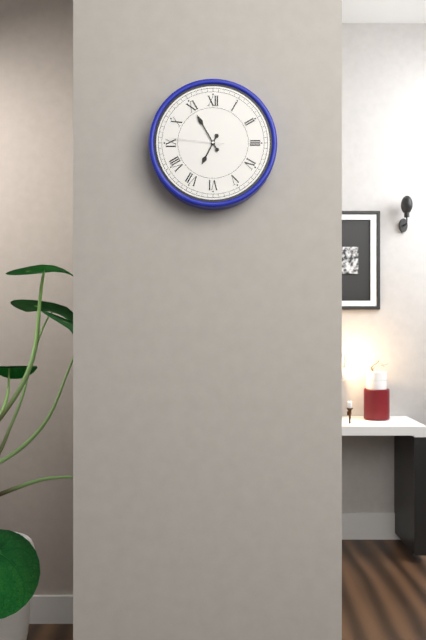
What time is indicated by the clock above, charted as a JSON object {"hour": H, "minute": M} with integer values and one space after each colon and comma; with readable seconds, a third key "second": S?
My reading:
{"hour": 6, "minute": 55, "second": 46}
